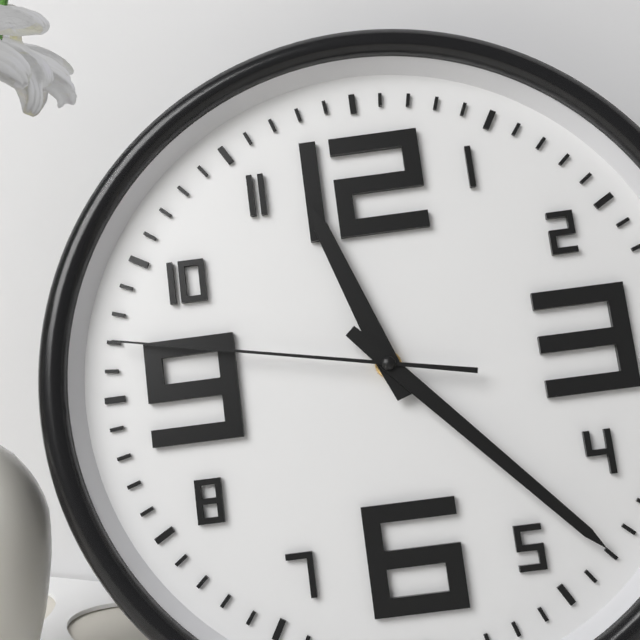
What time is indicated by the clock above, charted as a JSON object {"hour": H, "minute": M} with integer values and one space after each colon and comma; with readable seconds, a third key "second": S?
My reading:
{"hour": 11, "minute": 23, "second": 47}
